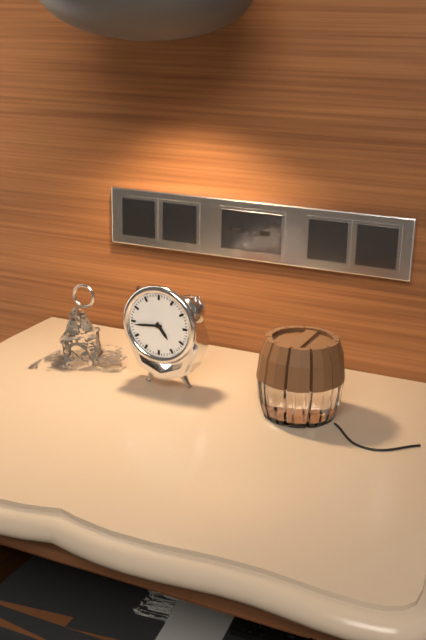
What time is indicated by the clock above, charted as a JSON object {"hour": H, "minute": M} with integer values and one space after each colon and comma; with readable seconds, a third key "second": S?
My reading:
{"hour": 4, "minute": 44}
